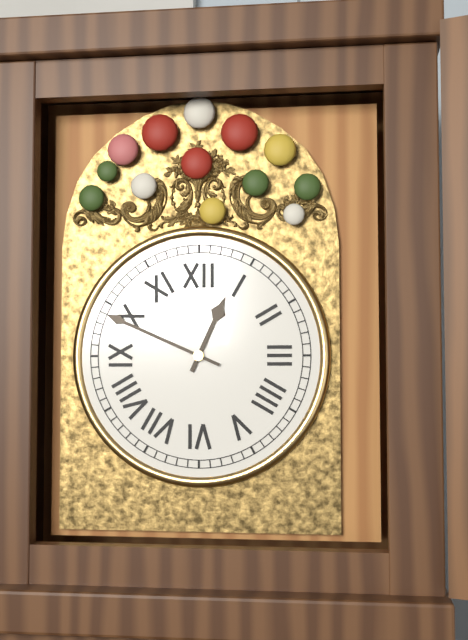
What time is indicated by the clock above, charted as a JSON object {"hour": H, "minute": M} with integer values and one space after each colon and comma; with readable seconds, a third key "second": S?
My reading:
{"hour": 12, "minute": 49}
